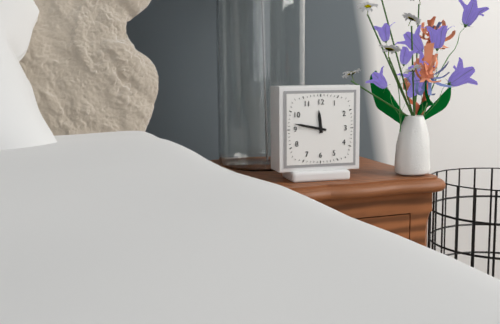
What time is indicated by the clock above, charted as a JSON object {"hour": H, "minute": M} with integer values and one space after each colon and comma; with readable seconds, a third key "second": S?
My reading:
{"hour": 11, "minute": 47}
